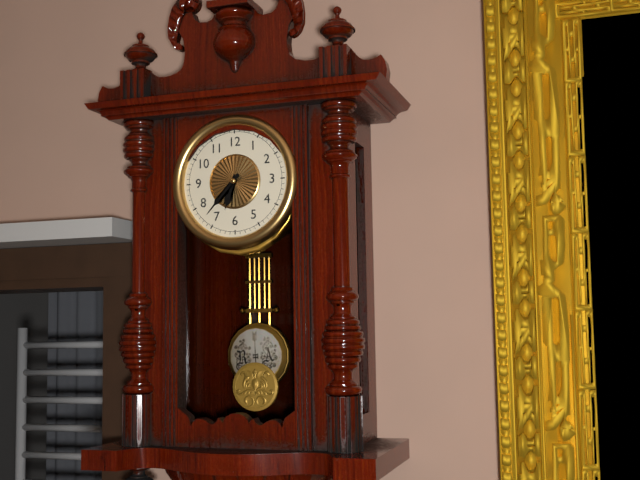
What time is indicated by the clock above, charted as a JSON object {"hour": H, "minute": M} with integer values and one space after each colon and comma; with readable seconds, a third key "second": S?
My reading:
{"hour": 6, "minute": 37}
